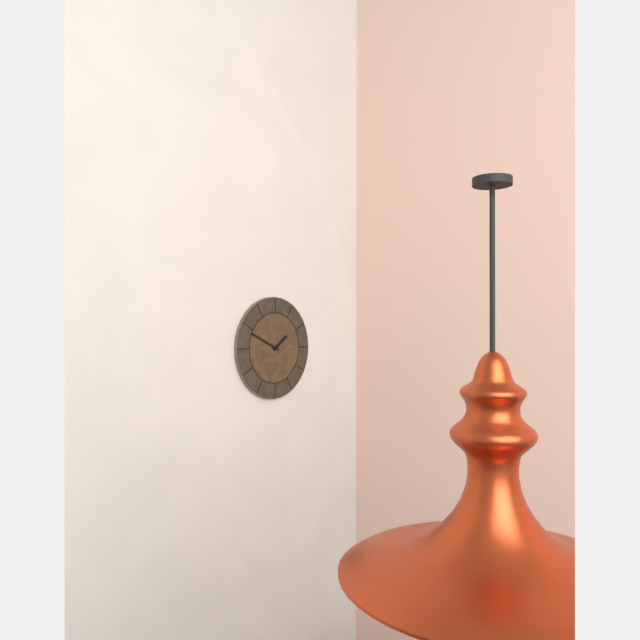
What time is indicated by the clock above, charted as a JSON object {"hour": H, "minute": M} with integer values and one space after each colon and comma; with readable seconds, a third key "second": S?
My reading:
{"hour": 1, "minute": 49}
